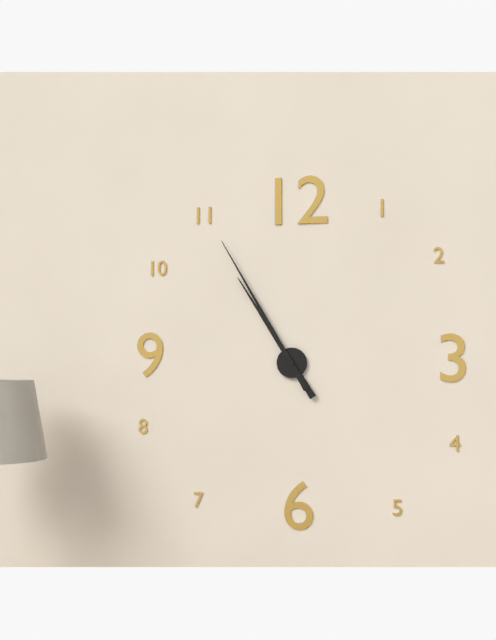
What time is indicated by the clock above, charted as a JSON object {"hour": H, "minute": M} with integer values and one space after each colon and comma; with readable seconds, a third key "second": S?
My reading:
{"hour": 10, "minute": 55}
